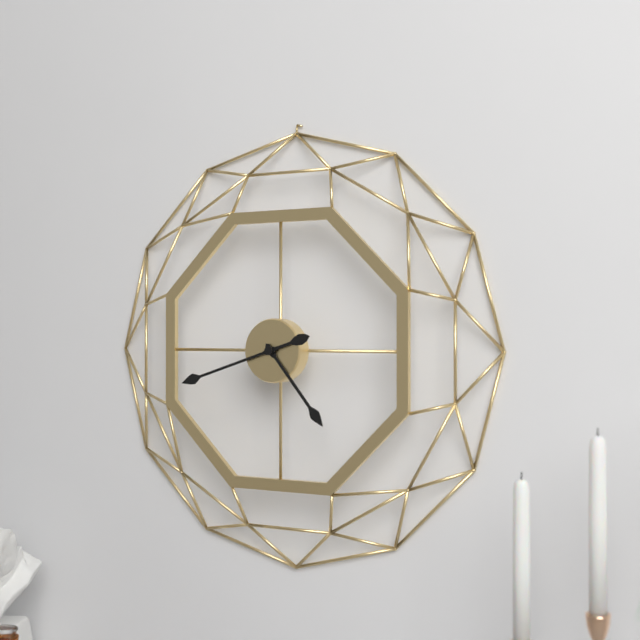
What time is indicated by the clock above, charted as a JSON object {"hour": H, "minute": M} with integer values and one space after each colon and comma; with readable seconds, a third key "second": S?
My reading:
{"hour": 4, "minute": 42}
